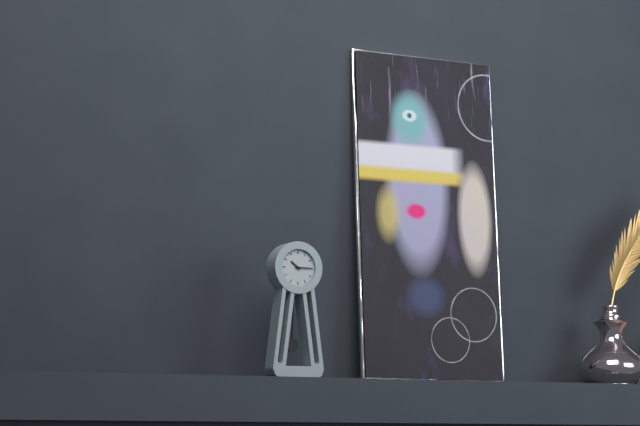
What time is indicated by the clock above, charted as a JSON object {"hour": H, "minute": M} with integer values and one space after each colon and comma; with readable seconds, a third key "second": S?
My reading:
{"hour": 10, "minute": 15}
